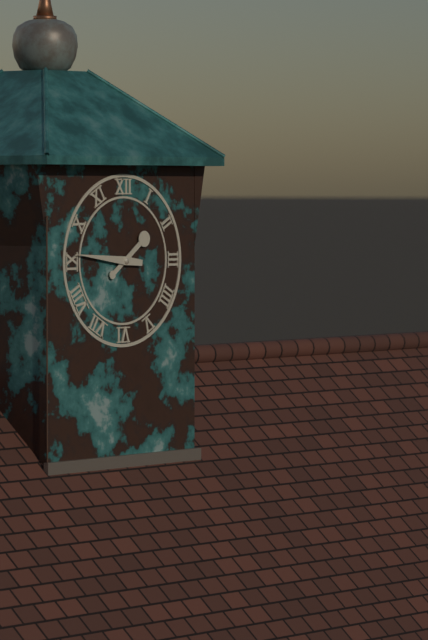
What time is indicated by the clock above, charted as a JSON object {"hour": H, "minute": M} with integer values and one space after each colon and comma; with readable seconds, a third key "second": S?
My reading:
{"hour": 1, "minute": 46}
